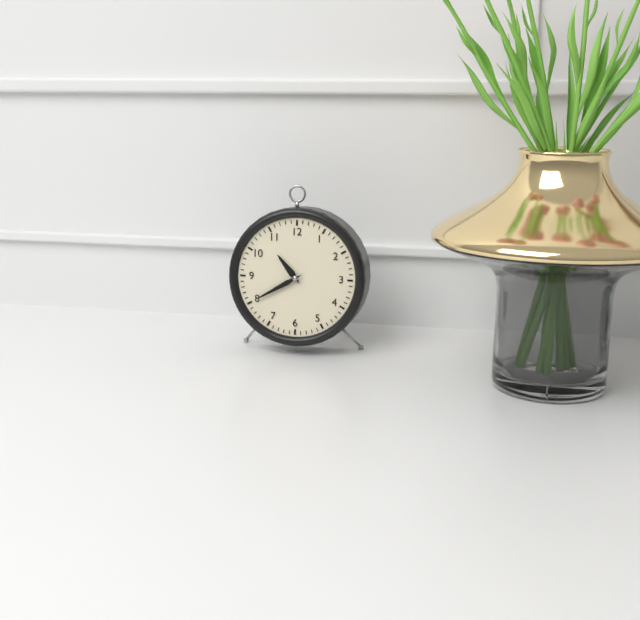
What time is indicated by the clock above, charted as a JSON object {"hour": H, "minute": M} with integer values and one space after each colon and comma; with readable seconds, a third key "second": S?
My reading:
{"hour": 10, "minute": 40}
